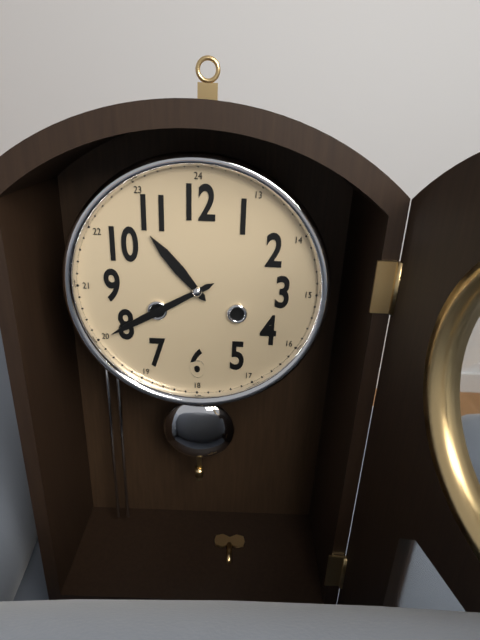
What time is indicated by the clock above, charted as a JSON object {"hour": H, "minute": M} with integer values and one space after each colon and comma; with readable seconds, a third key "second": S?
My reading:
{"hour": 10, "minute": 40}
